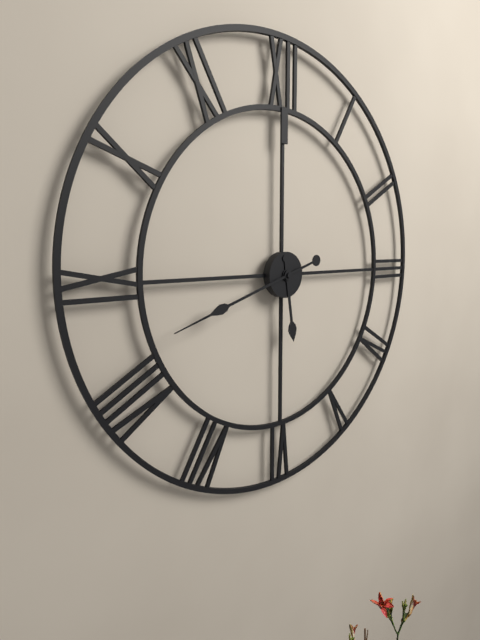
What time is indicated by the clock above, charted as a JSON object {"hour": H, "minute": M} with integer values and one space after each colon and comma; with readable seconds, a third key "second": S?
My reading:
{"hour": 5, "minute": 42}
